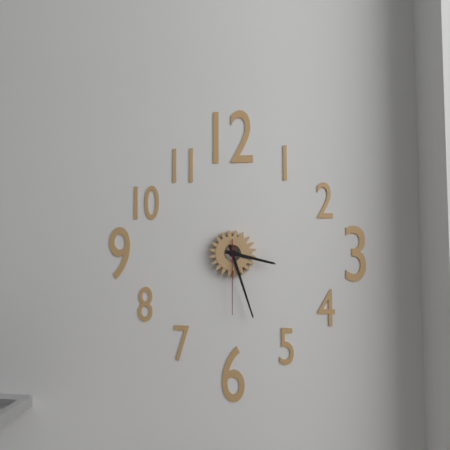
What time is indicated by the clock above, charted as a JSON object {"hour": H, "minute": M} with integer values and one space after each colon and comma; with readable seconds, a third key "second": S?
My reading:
{"hour": 3, "minute": 27, "second": 30}
